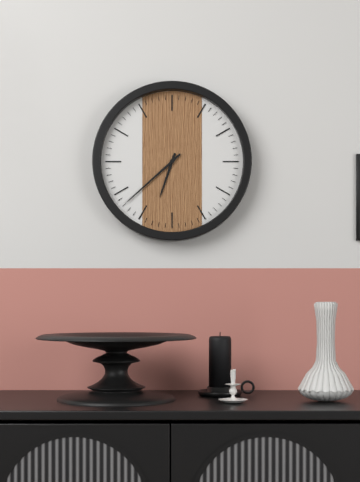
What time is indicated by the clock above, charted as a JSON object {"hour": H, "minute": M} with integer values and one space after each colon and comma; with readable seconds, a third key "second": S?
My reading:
{"hour": 6, "minute": 38}
